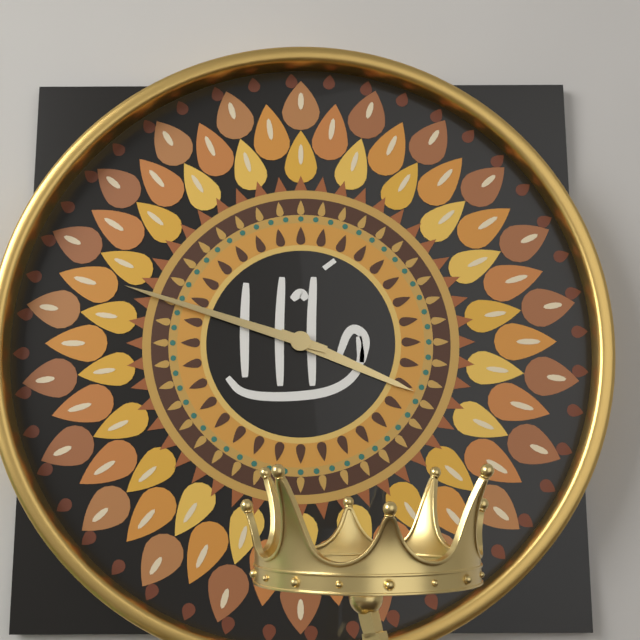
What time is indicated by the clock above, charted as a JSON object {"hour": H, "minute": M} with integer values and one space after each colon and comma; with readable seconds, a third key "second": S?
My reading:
{"hour": 3, "minute": 48}
